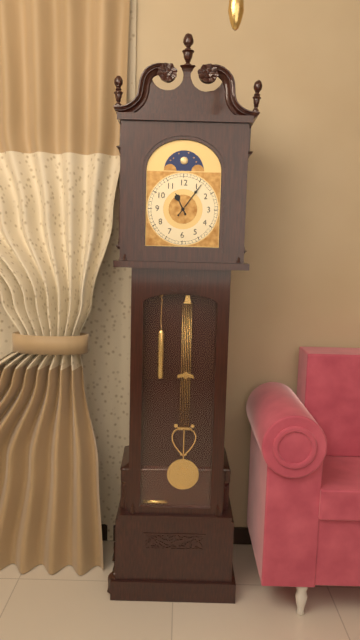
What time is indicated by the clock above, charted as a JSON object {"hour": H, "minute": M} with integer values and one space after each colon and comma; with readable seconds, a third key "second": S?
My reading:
{"hour": 11, "minute": 6}
